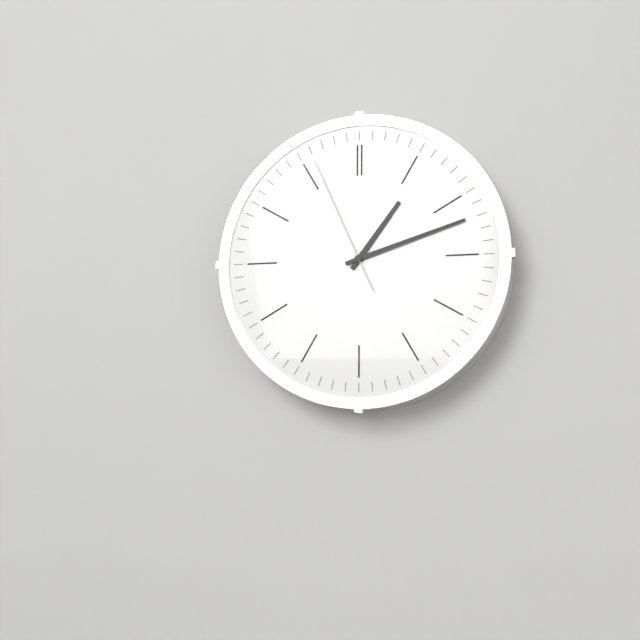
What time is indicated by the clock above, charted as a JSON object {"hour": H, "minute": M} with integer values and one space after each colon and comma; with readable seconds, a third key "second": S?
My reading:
{"hour": 1, "minute": 12, "second": 56}
